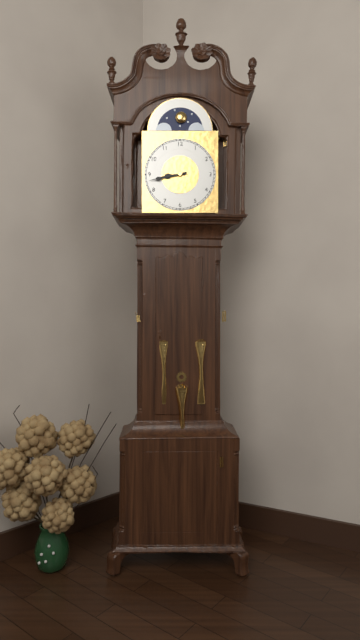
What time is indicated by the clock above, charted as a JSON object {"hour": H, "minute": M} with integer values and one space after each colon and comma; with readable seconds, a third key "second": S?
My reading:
{"hour": 8, "minute": 43}
